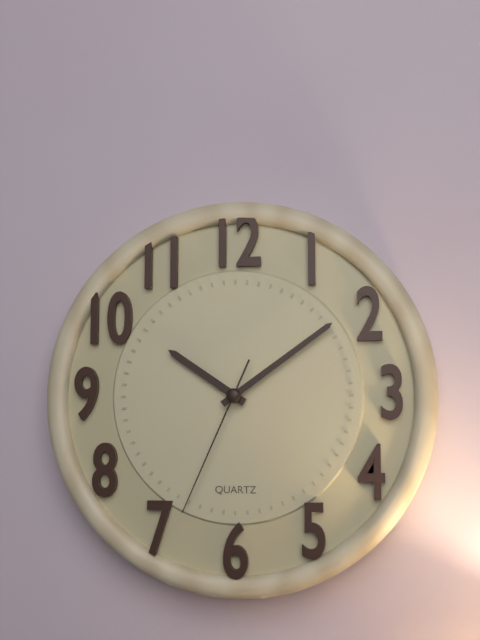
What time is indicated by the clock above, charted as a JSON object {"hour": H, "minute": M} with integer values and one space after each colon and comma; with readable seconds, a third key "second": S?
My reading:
{"hour": 10, "minute": 9, "second": 34}
